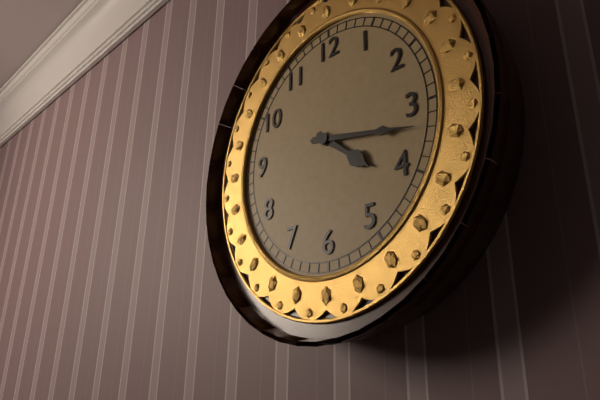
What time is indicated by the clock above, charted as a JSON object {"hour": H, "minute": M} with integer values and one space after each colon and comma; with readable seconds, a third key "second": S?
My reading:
{"hour": 4, "minute": 17}
